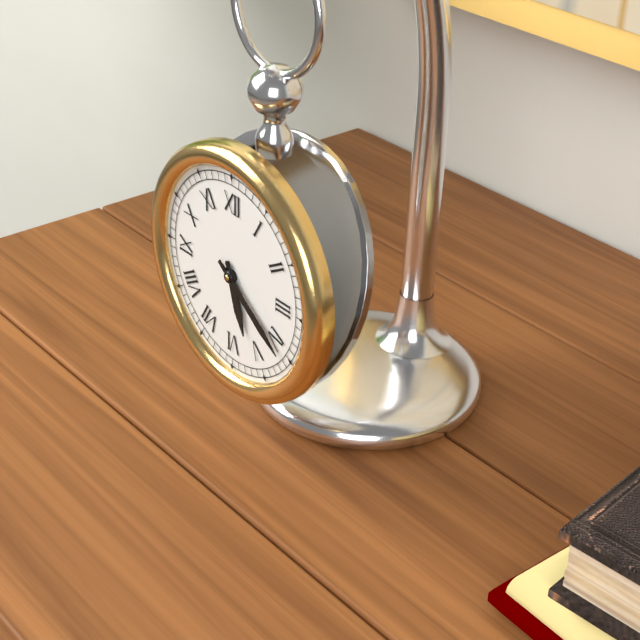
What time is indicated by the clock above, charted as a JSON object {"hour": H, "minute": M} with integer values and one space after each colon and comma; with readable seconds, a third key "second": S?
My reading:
{"hour": 5, "minute": 21}
